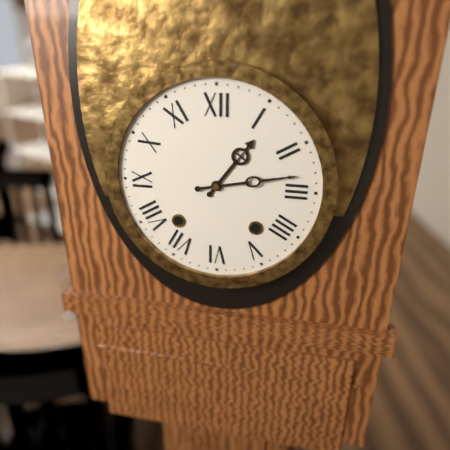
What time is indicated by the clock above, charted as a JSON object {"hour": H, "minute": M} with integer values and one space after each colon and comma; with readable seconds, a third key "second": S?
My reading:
{"hour": 1, "minute": 13}
